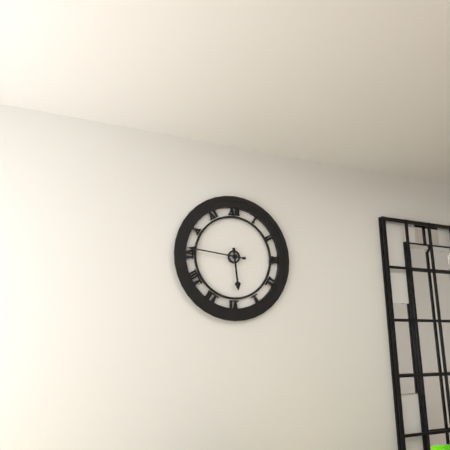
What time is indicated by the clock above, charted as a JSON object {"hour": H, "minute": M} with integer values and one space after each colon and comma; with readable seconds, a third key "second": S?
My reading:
{"hour": 5, "minute": 46}
